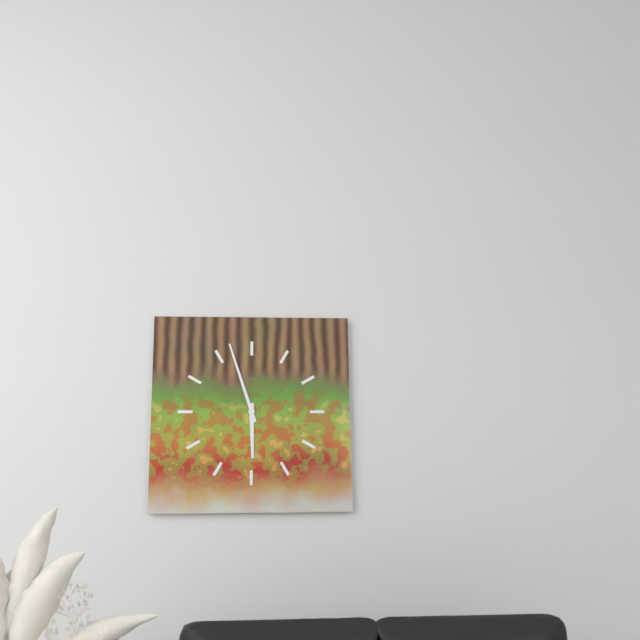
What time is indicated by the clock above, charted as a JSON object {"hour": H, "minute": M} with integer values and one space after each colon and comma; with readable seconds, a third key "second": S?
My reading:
{"hour": 5, "minute": 57}
